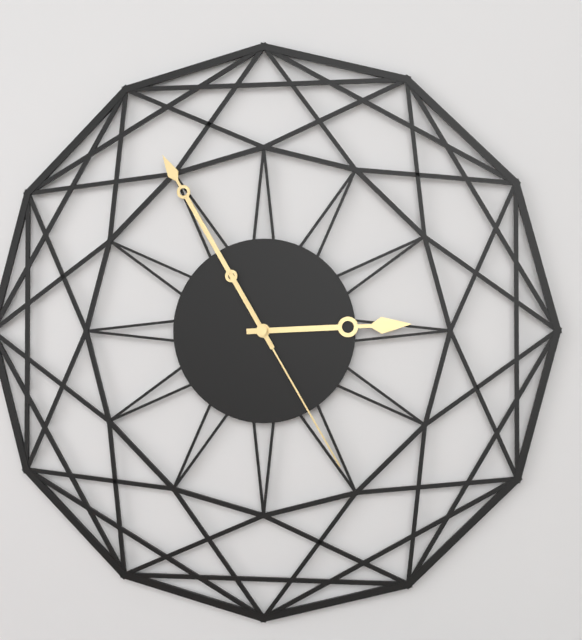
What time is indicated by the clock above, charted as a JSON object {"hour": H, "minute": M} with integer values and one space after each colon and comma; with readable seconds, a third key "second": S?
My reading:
{"hour": 2, "minute": 55, "second": 25}
